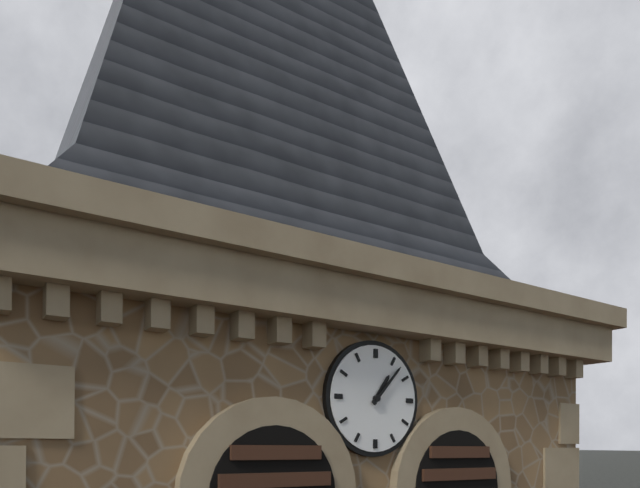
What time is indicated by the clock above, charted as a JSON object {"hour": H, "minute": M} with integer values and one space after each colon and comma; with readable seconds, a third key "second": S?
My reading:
{"hour": 1, "minute": 7}
